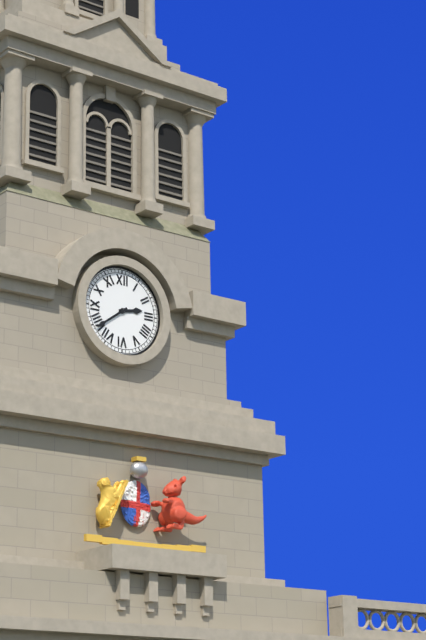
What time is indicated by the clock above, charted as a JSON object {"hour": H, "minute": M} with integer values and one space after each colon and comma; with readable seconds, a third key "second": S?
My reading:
{"hour": 2, "minute": 39}
